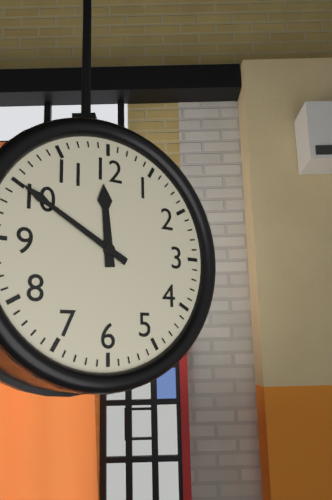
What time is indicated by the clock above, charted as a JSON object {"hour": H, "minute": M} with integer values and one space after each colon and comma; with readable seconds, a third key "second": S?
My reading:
{"hour": 11, "minute": 50}
